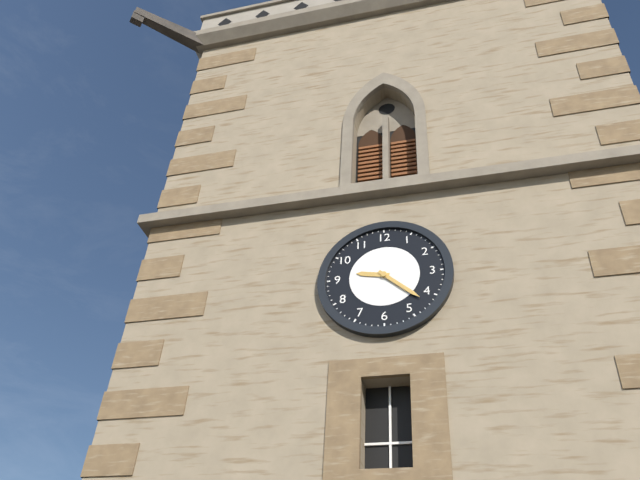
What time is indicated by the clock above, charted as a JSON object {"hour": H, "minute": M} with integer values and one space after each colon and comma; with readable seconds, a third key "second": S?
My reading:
{"hour": 9, "minute": 22}
